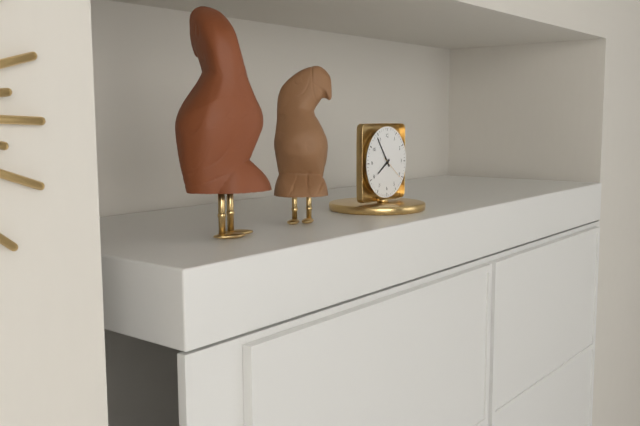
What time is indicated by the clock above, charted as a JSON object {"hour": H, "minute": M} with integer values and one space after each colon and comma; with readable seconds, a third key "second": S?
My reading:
{"hour": 7, "minute": 54}
